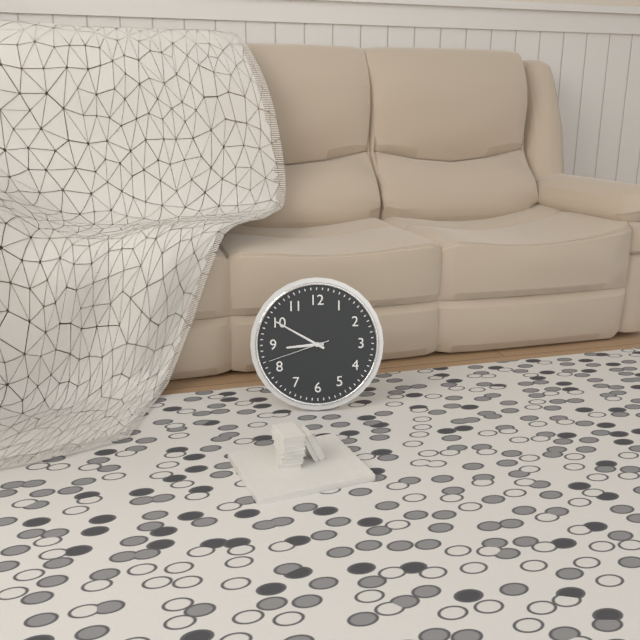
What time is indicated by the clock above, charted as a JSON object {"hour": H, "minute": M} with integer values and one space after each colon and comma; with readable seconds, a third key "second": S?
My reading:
{"hour": 8, "minute": 50, "second": 42}
